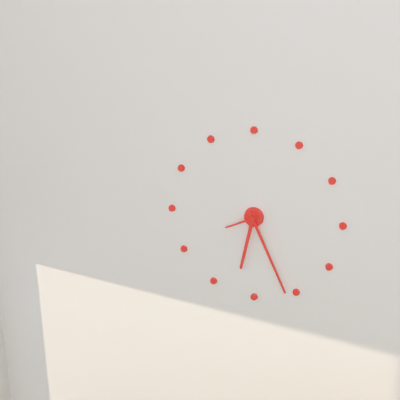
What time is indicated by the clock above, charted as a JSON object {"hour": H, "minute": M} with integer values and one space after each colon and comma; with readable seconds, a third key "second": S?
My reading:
{"hour": 6, "minute": 26}
